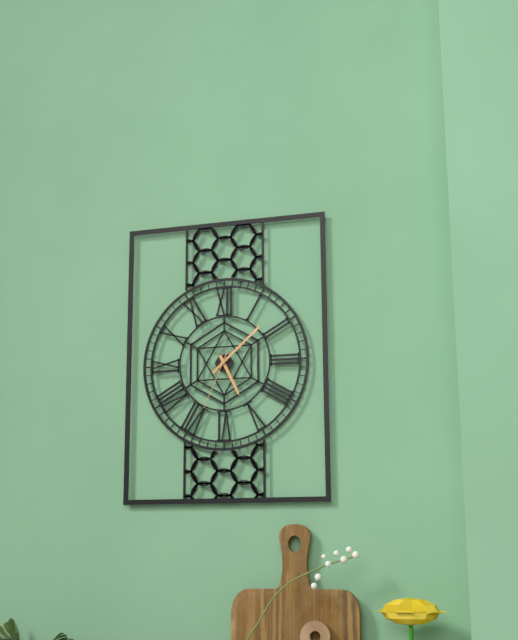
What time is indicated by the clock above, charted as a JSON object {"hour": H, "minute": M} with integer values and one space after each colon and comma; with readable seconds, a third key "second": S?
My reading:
{"hour": 5, "minute": 8, "second": 34}
